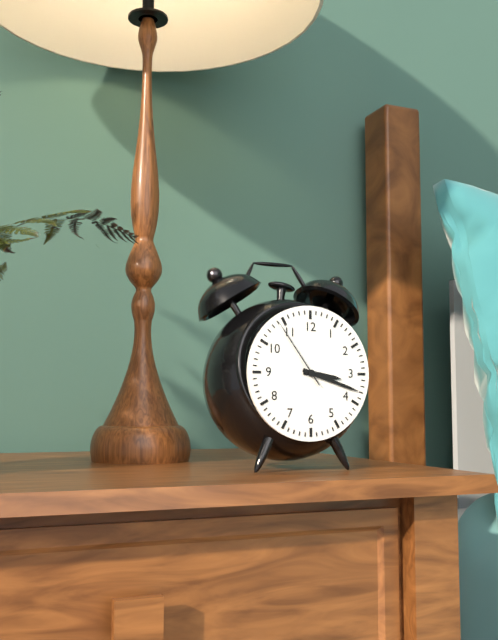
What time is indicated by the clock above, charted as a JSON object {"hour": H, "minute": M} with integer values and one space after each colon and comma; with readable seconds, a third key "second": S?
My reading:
{"hour": 3, "minute": 18, "second": 54}
